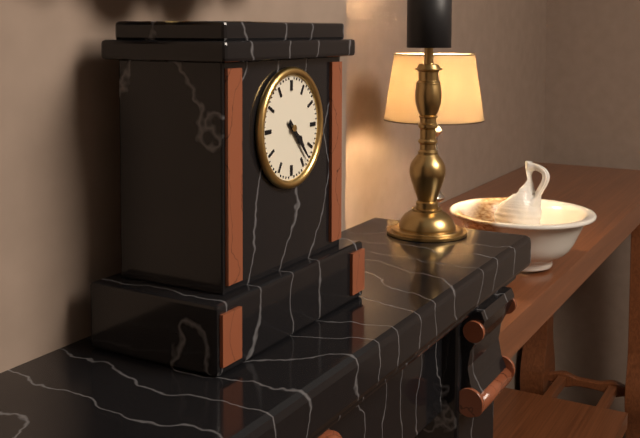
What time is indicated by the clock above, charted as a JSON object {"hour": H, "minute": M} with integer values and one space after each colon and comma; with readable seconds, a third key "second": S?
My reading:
{"hour": 4, "minute": 23}
